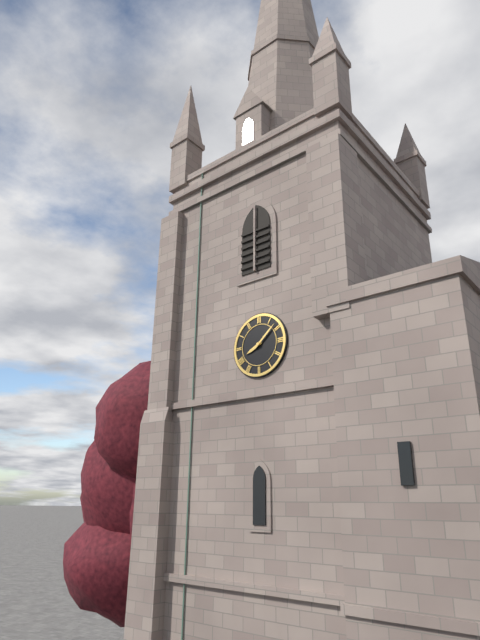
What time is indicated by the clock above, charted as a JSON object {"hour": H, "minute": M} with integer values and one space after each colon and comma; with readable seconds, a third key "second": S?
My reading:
{"hour": 8, "minute": 8}
